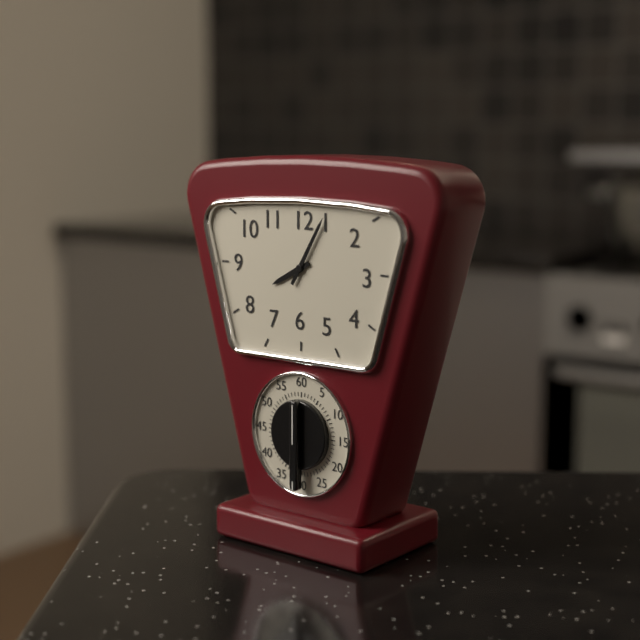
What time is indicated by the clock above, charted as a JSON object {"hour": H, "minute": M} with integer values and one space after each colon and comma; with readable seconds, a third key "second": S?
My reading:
{"hour": 8, "minute": 5}
